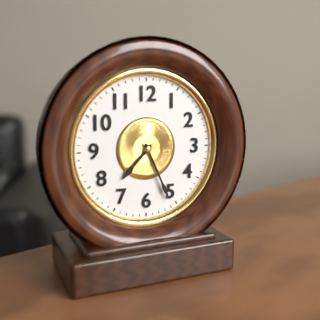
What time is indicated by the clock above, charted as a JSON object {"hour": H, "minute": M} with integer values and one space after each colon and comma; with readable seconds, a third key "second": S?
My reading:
{"hour": 7, "minute": 26}
